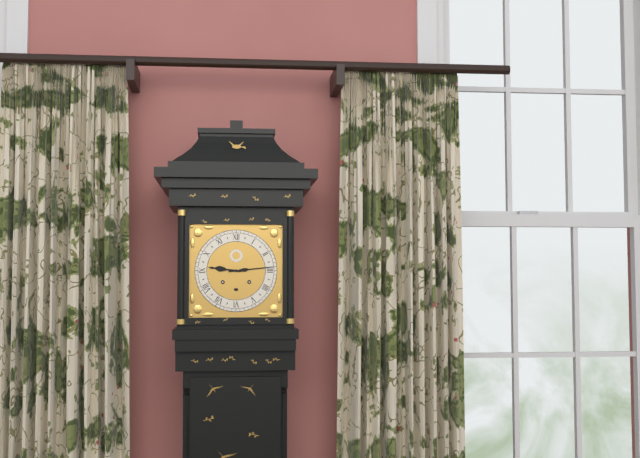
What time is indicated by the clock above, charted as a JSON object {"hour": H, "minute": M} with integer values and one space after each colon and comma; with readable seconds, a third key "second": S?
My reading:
{"hour": 9, "minute": 14}
